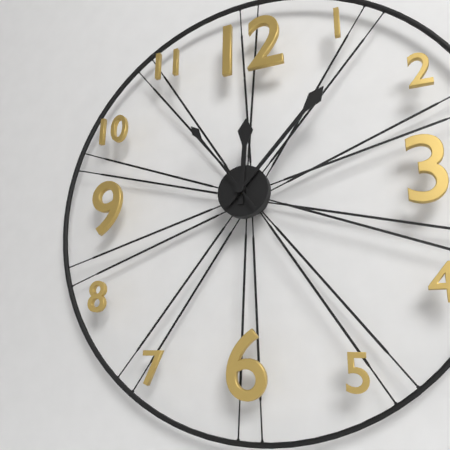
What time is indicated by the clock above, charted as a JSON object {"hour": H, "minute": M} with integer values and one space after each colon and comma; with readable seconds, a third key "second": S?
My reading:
{"hour": 12, "minute": 7, "second": 54}
